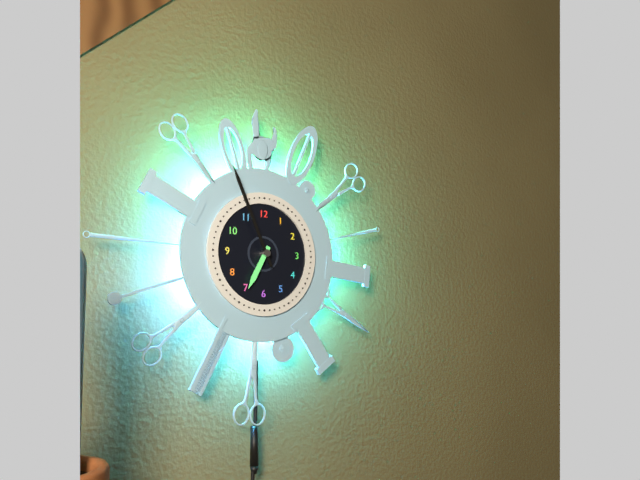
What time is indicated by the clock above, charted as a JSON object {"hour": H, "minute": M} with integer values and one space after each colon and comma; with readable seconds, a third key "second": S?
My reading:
{"hour": 6, "minute": 56}
